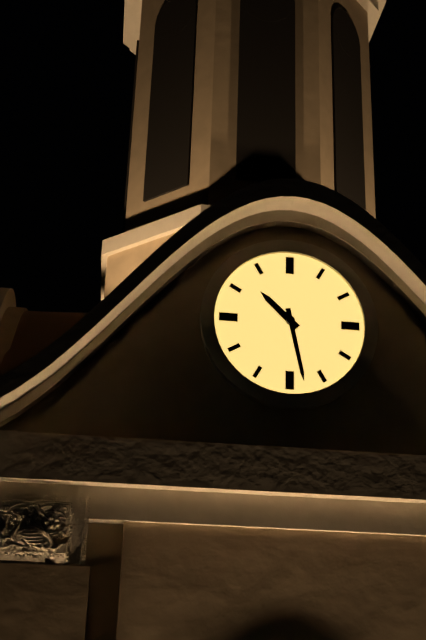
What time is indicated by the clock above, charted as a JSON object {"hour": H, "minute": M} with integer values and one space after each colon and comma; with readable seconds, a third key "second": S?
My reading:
{"hour": 10, "minute": 28}
